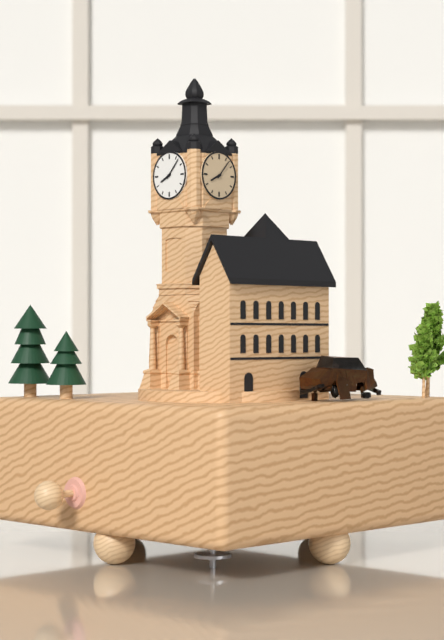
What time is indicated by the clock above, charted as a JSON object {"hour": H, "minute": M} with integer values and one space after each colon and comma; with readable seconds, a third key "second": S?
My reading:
{"hour": 8, "minute": 7}
